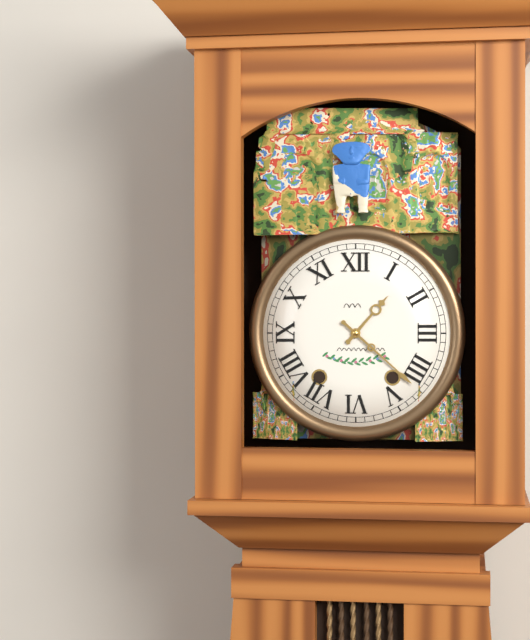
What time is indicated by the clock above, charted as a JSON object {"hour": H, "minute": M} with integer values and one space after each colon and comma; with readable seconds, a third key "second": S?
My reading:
{"hour": 1, "minute": 22}
